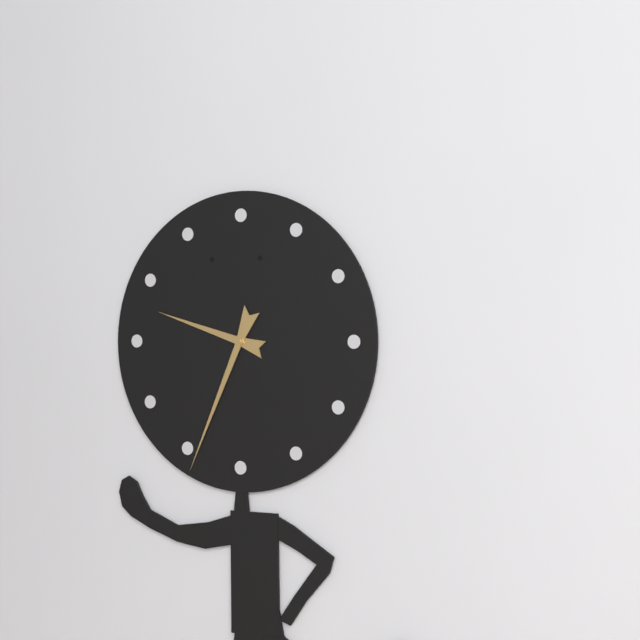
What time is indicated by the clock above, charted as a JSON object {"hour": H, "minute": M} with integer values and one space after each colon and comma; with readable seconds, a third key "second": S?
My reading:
{"hour": 9, "minute": 34}
